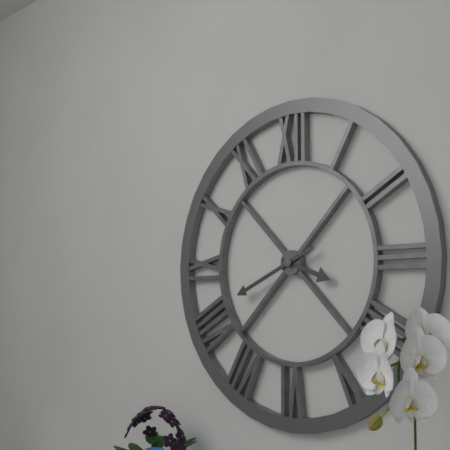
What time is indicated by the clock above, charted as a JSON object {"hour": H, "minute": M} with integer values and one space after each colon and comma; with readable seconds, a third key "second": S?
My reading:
{"hour": 3, "minute": 41}
